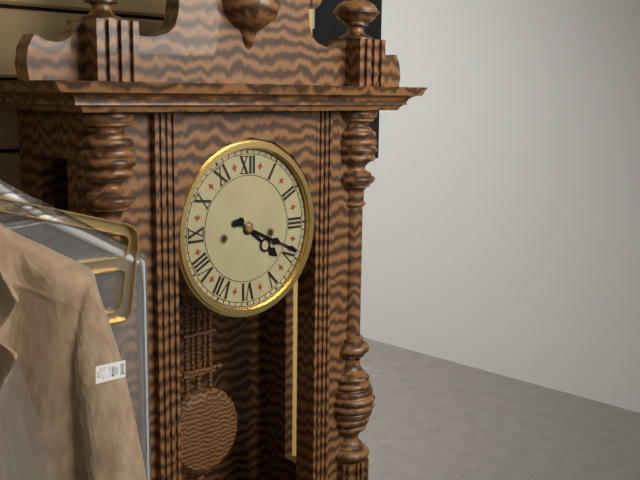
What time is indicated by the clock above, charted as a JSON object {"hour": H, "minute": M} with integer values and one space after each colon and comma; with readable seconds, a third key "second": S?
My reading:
{"hour": 4, "minute": 19}
